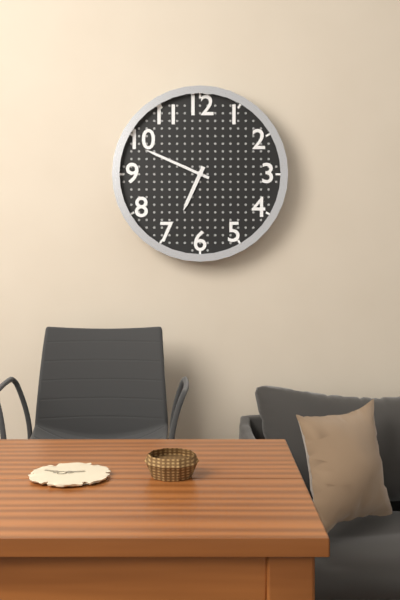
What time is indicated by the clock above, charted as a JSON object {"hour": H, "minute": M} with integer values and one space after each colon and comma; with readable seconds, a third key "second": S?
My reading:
{"hour": 6, "minute": 49}
